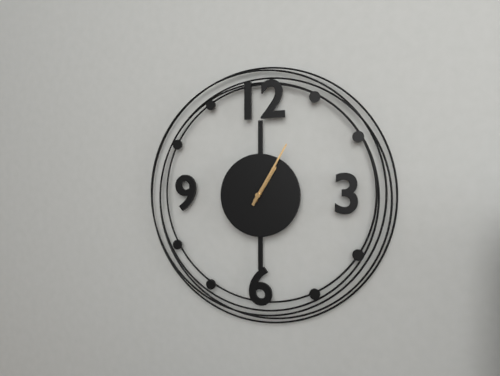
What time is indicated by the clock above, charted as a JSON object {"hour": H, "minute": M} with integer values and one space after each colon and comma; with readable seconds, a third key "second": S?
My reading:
{"hour": 1, "minute": 5}
